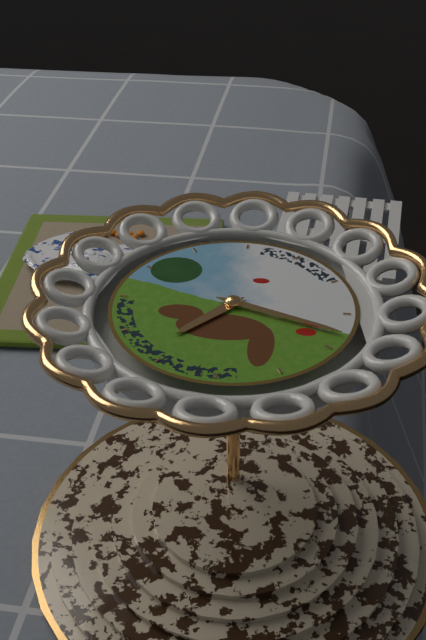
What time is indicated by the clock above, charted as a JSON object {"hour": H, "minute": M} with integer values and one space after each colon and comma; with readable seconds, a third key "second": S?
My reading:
{"hour": 7, "minute": 18}
